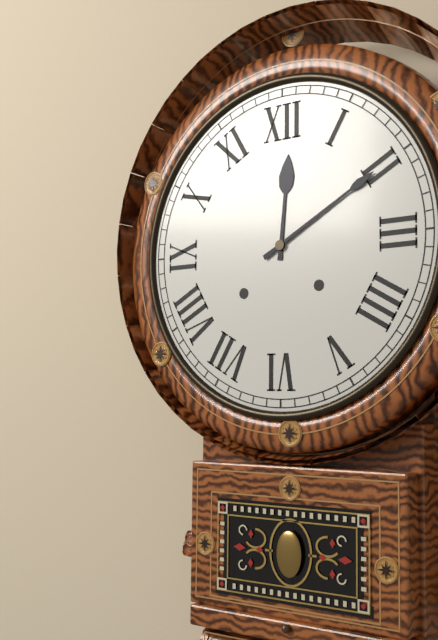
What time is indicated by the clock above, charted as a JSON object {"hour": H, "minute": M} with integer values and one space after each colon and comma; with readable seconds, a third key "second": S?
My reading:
{"hour": 12, "minute": 10}
